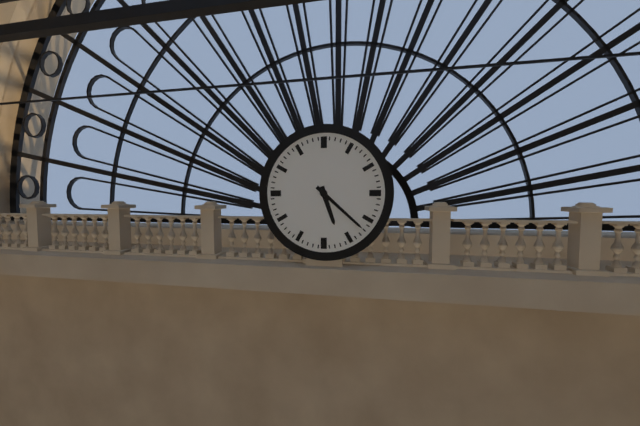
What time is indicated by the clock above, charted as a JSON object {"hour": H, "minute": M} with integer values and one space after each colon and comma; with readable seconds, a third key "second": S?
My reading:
{"hour": 5, "minute": 22}
